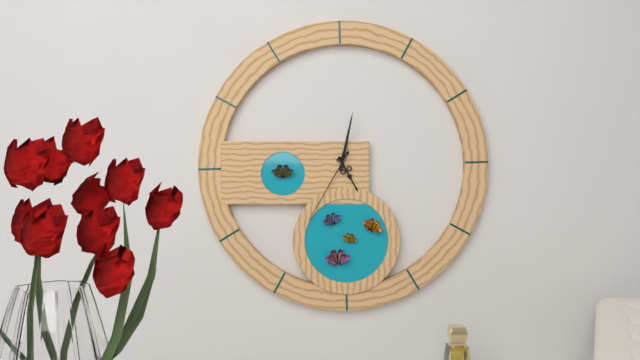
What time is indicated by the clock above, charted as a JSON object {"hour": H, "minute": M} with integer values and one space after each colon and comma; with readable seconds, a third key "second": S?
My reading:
{"hour": 5, "minute": 2, "second": 35}
